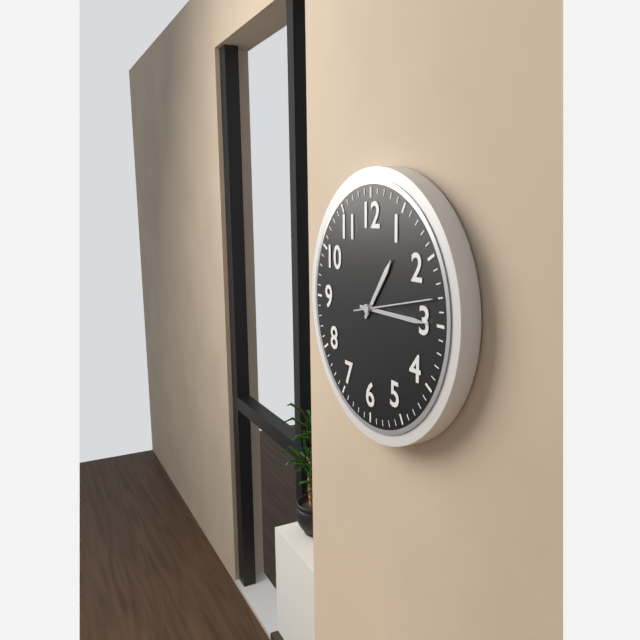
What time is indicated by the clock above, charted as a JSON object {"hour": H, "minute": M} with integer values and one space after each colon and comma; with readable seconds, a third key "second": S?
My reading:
{"hour": 1, "minute": 15, "second": 13}
